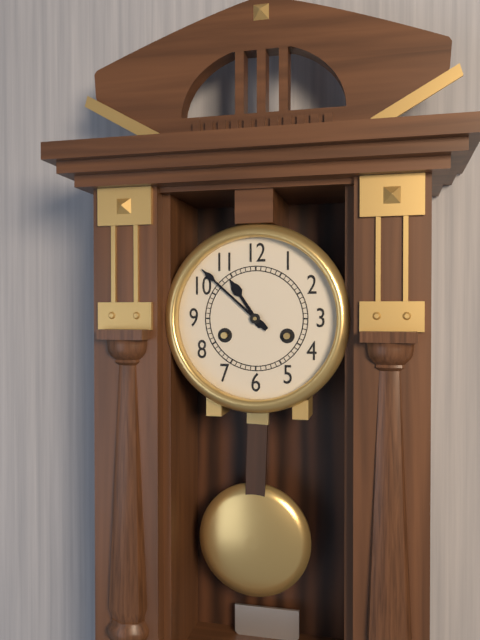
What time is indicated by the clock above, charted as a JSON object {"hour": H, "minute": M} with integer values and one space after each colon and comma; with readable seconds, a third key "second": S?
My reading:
{"hour": 10, "minute": 52}
